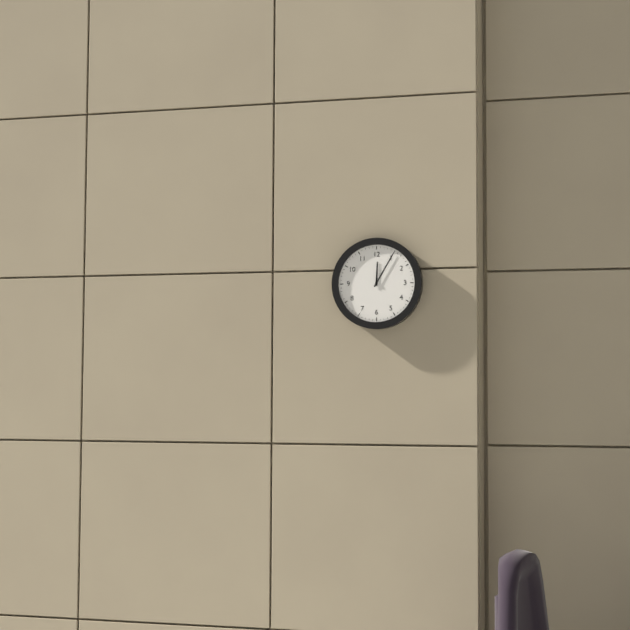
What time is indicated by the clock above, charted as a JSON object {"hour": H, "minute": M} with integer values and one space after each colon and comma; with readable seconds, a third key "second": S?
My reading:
{"hour": 12, "minute": 5}
